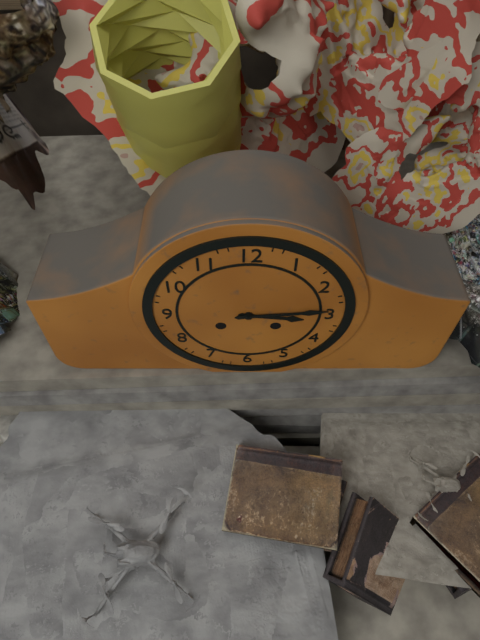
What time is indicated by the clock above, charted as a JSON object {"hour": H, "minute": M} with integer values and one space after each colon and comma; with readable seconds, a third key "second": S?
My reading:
{"hour": 3, "minute": 14}
